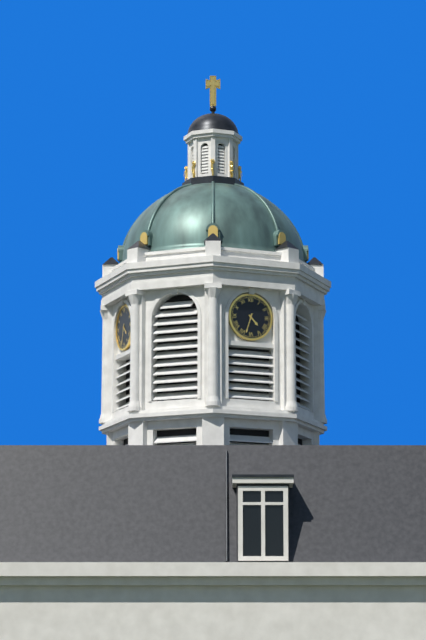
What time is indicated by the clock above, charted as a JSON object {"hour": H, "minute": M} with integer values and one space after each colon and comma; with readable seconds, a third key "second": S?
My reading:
{"hour": 4, "minute": 33}
